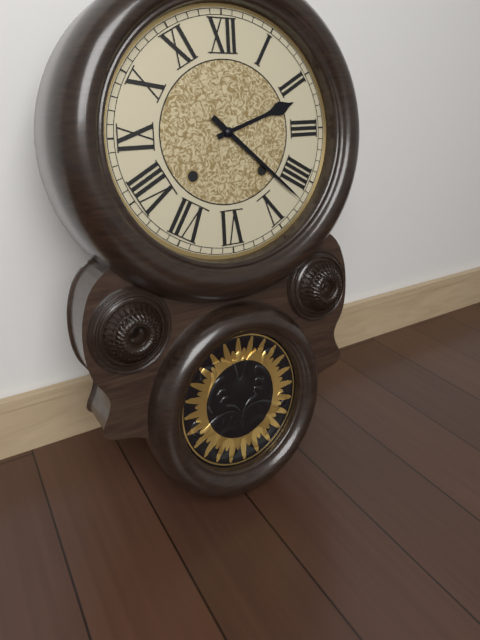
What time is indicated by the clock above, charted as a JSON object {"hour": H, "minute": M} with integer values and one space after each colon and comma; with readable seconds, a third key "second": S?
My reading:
{"hour": 2, "minute": 22}
